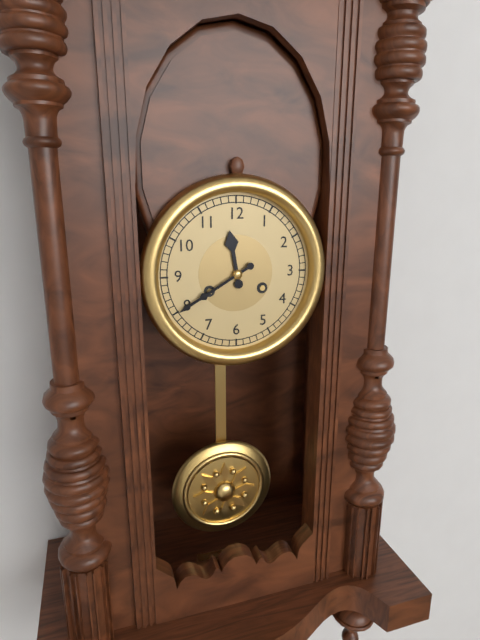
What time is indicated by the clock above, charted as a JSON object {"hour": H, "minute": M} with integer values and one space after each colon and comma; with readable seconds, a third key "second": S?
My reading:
{"hour": 11, "minute": 40}
